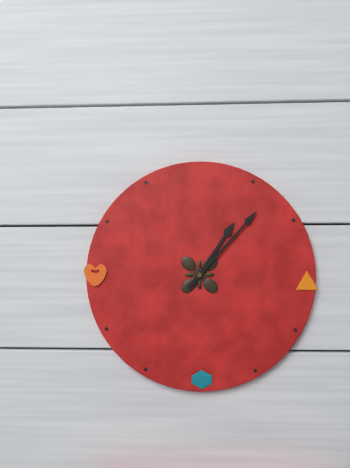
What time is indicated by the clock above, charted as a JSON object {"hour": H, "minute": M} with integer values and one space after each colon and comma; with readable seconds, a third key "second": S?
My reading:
{"hour": 1, "minute": 7}
